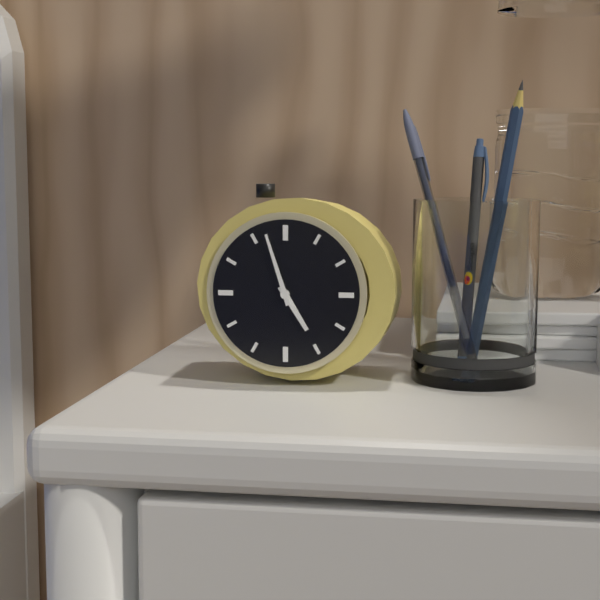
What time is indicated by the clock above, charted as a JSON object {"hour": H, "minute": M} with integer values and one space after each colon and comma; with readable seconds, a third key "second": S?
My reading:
{"hour": 4, "minute": 57}
